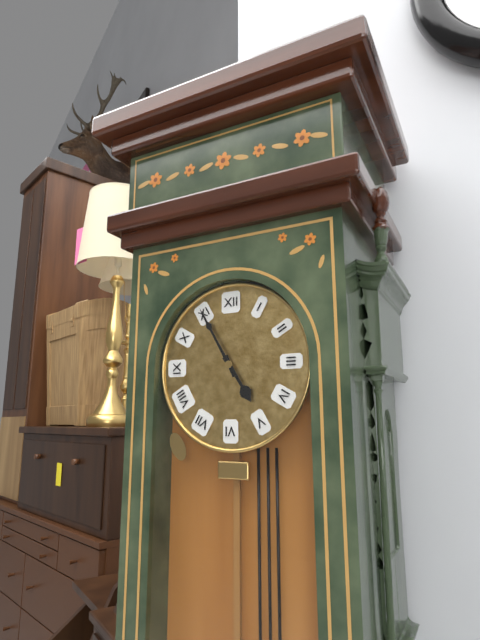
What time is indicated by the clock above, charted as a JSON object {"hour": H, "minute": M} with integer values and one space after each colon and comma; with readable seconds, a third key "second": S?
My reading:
{"hour": 4, "minute": 55}
